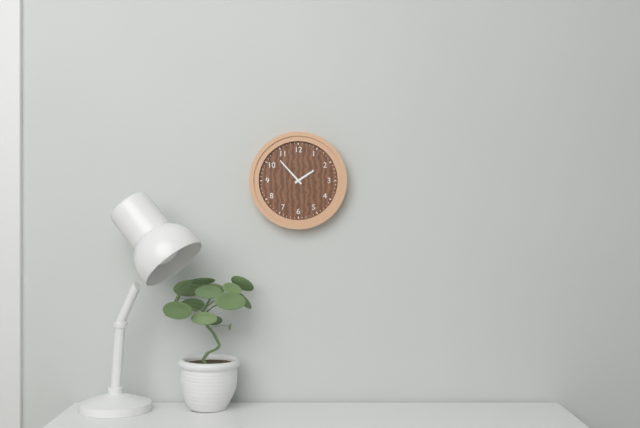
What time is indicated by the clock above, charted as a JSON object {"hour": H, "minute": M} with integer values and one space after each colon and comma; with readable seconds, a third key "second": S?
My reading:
{"hour": 1, "minute": 53}
